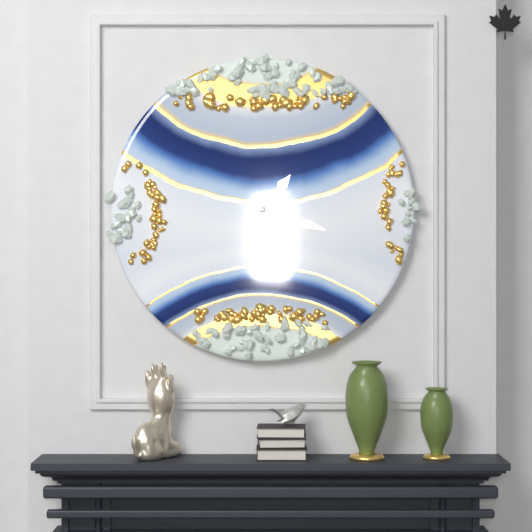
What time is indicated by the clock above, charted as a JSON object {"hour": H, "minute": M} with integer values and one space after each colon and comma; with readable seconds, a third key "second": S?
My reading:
{"hour": 1, "minute": 18}
